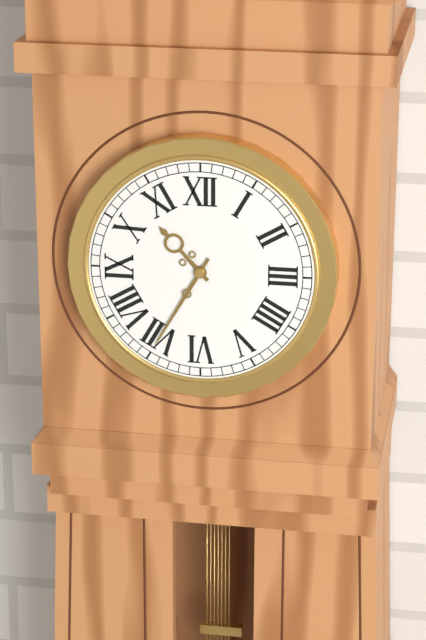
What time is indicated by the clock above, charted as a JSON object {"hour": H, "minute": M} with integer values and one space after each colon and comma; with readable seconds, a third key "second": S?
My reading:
{"hour": 10, "minute": 35}
